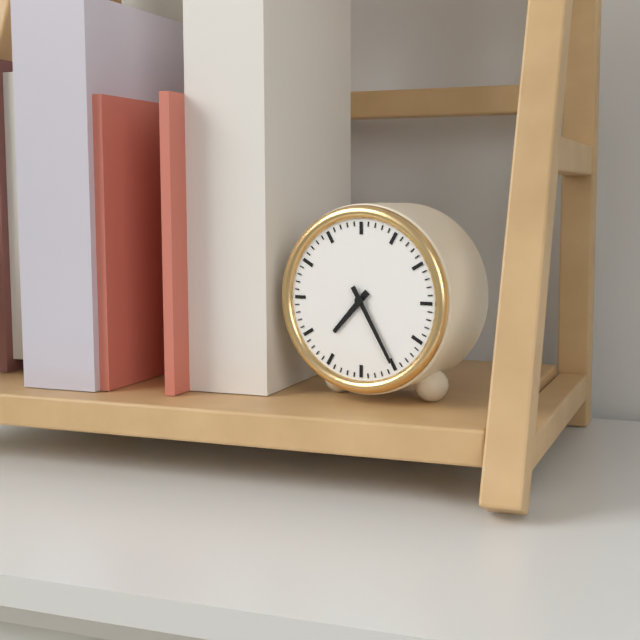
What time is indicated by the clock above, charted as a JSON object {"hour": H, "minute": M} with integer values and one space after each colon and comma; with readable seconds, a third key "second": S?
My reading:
{"hour": 7, "minute": 25}
